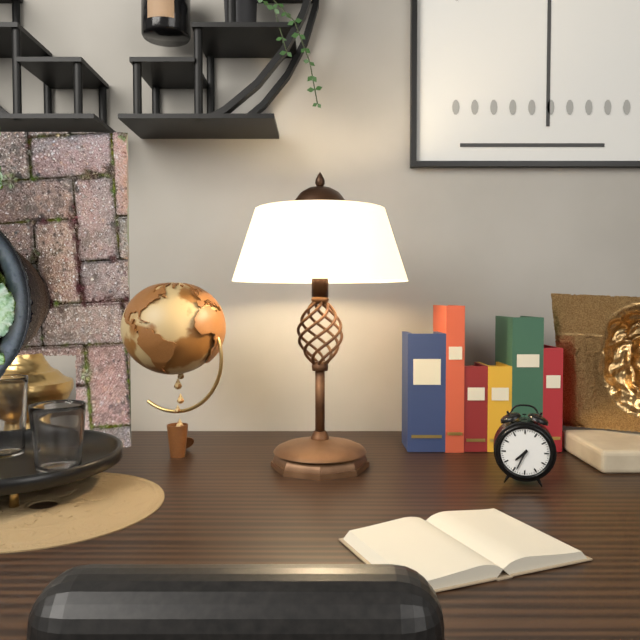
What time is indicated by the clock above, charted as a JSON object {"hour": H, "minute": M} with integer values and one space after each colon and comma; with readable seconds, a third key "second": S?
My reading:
{"hour": 7, "minute": 34}
